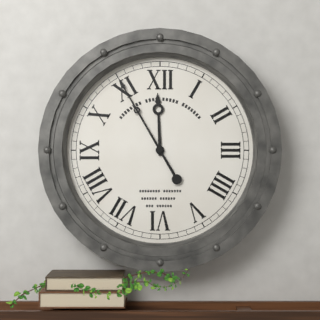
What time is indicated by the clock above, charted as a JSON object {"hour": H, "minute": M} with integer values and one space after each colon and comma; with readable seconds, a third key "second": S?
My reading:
{"hour": 11, "minute": 55}
